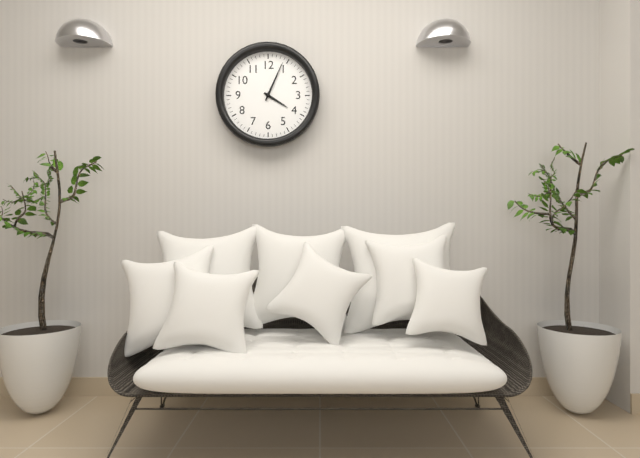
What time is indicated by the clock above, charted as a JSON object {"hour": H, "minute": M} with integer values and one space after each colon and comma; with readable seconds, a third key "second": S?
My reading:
{"hour": 4, "minute": 4}
